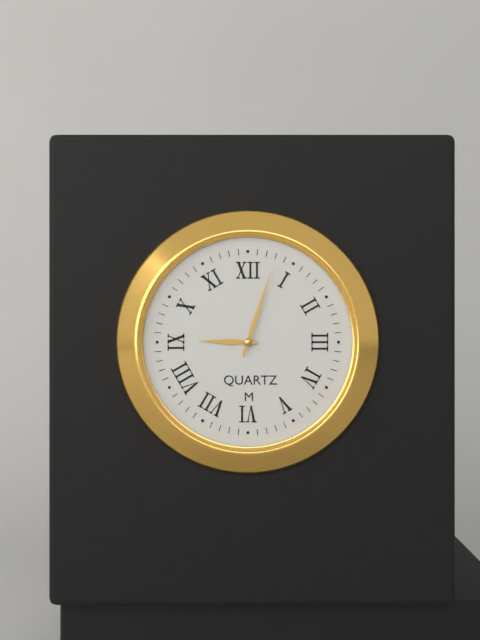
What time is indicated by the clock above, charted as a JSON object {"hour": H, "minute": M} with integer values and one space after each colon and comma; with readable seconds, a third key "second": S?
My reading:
{"hour": 9, "minute": 3}
